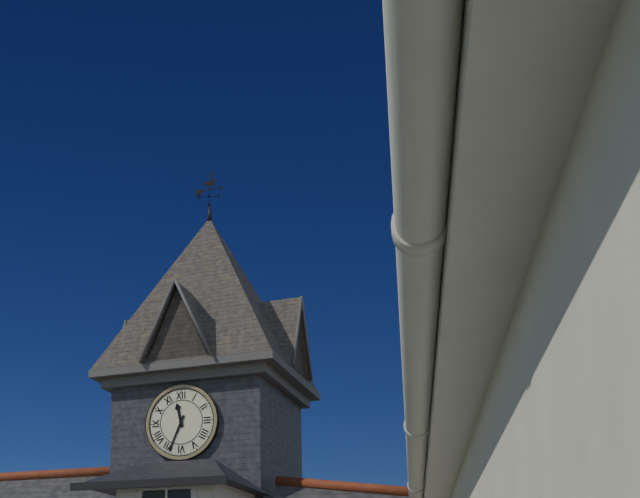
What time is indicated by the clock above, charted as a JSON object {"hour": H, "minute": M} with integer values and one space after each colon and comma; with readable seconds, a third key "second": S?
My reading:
{"hour": 11, "minute": 34}
